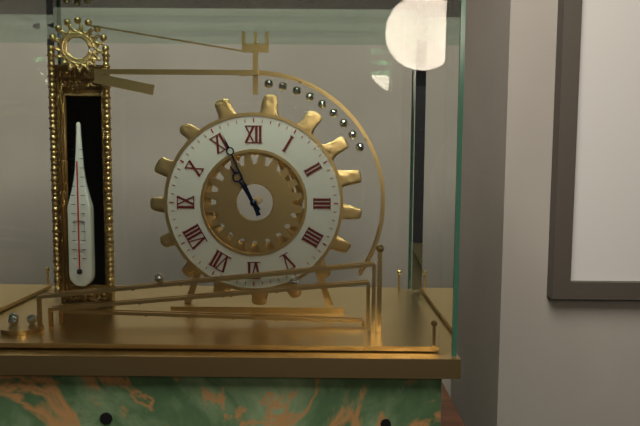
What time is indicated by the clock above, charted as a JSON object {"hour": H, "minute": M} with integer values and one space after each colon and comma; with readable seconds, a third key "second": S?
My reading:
{"hour": 10, "minute": 56}
